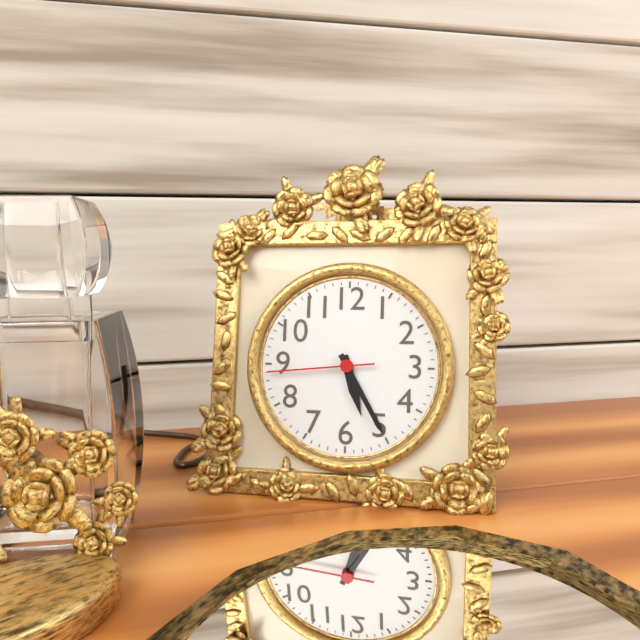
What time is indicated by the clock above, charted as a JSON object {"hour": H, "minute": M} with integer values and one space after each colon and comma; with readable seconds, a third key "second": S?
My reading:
{"hour": 5, "minute": 25, "second": 44}
